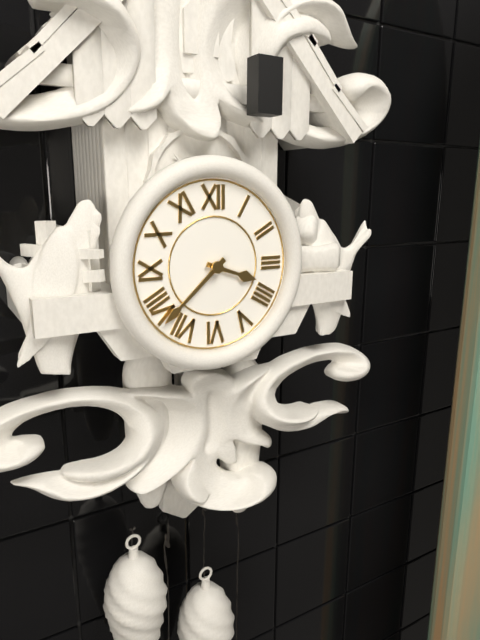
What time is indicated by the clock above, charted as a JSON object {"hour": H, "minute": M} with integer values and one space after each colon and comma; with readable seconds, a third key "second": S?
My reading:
{"hour": 3, "minute": 38}
